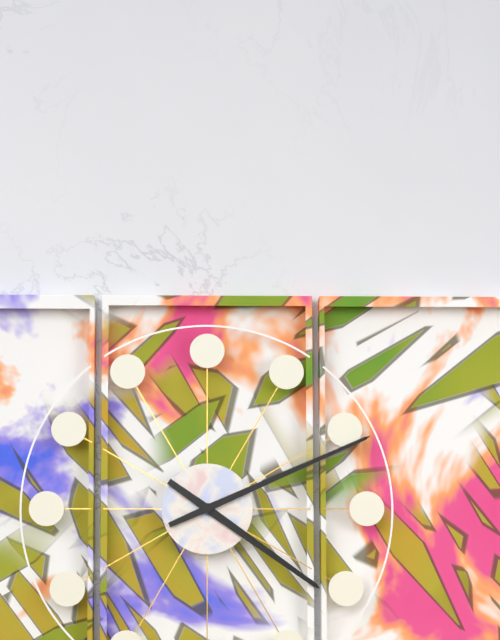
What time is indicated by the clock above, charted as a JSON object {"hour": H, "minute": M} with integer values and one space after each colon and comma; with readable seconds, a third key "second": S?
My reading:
{"hour": 4, "minute": 11}
